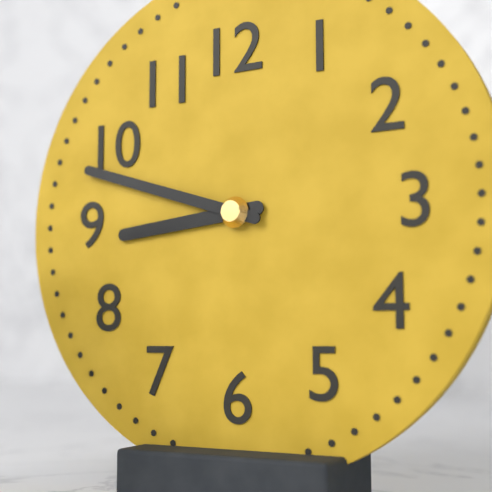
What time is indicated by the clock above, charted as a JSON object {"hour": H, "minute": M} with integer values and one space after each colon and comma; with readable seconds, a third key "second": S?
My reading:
{"hour": 8, "minute": 48}
